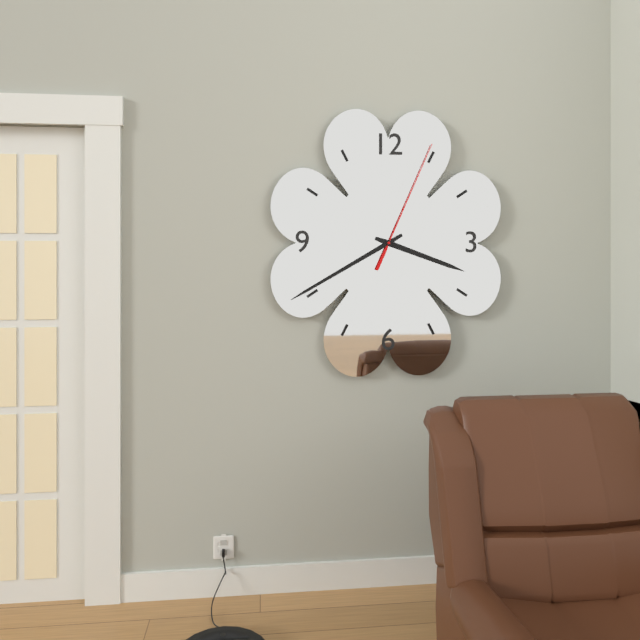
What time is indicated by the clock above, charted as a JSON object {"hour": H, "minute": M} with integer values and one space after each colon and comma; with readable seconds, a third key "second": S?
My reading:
{"hour": 3, "minute": 40, "second": 4}
